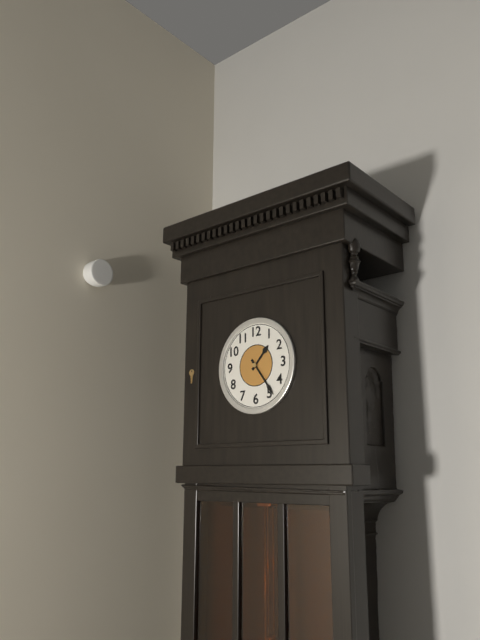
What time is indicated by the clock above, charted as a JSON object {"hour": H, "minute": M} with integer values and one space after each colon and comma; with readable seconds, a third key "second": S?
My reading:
{"hour": 1, "minute": 24}
